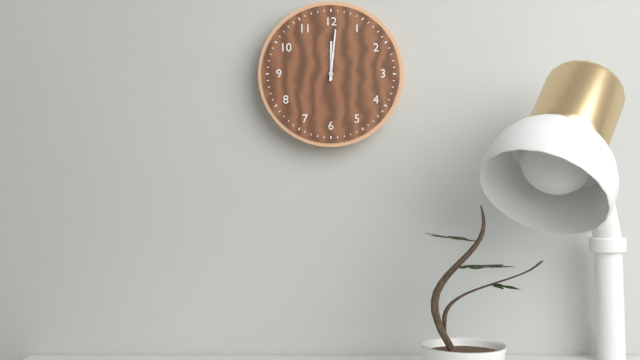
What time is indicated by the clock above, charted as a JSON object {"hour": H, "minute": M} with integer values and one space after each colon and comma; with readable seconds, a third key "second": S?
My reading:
{"hour": 12, "minute": 1}
